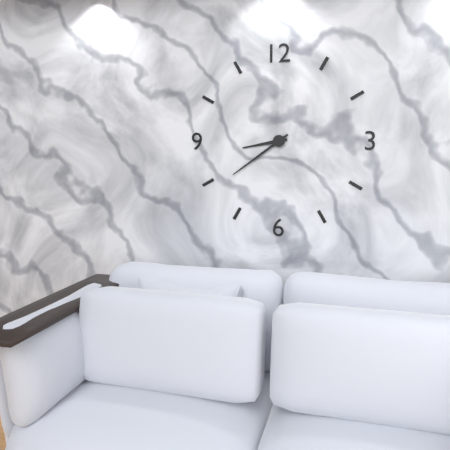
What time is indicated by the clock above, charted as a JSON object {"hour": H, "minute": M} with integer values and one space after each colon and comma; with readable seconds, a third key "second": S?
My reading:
{"hour": 8, "minute": 39}
